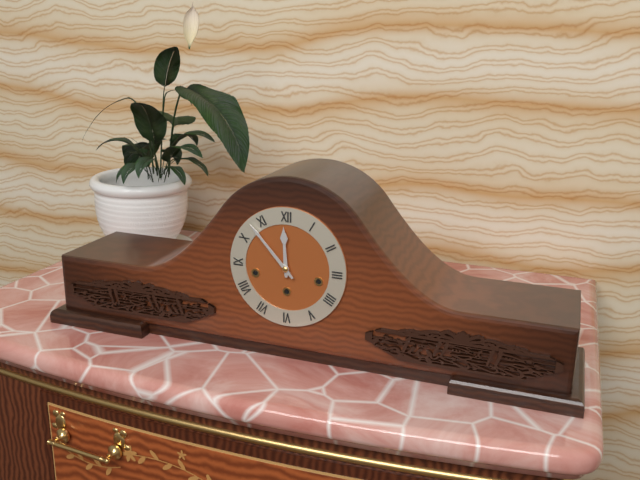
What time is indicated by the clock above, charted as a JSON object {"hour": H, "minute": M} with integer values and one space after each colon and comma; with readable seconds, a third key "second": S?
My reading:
{"hour": 11, "minute": 53}
